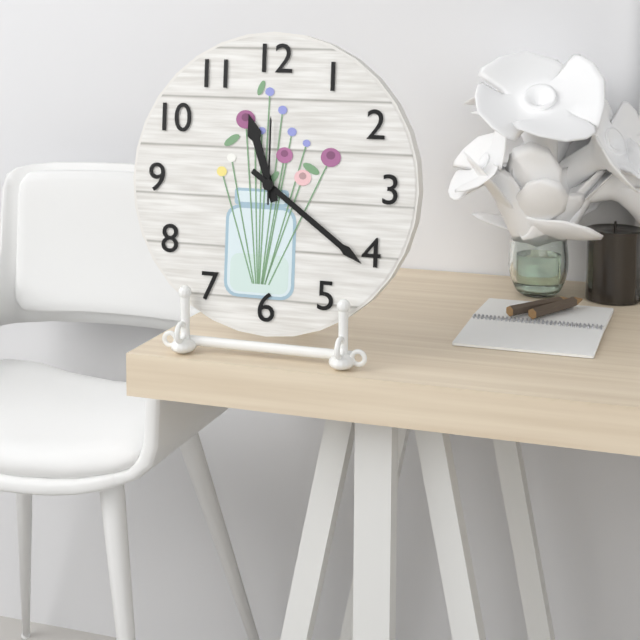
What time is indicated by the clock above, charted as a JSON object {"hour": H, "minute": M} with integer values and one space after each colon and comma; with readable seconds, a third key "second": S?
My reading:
{"hour": 11, "minute": 21, "second": 0}
